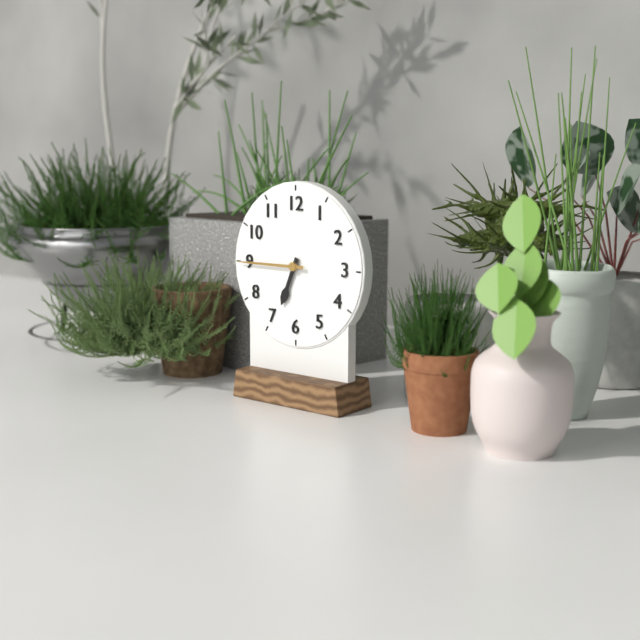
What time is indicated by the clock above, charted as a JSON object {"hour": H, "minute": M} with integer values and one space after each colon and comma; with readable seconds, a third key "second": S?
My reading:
{"hour": 6, "minute": 45}
